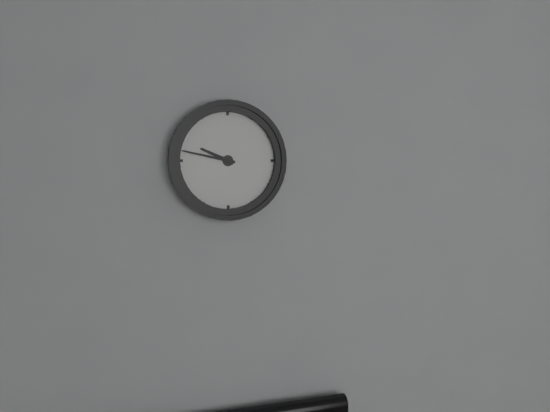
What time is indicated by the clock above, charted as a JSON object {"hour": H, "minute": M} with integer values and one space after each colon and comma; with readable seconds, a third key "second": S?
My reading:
{"hour": 9, "minute": 47}
